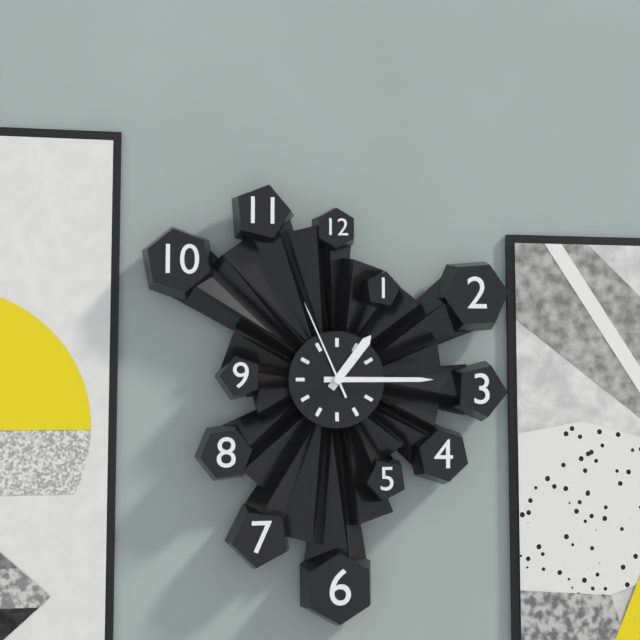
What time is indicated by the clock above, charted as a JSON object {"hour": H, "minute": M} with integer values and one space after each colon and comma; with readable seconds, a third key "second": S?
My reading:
{"hour": 1, "minute": 15, "second": 56}
